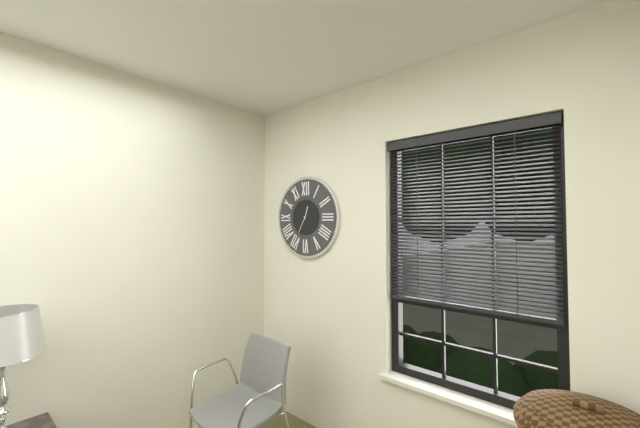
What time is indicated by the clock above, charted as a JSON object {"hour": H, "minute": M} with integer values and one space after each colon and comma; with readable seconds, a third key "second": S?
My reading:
{"hour": 12, "minute": 35}
